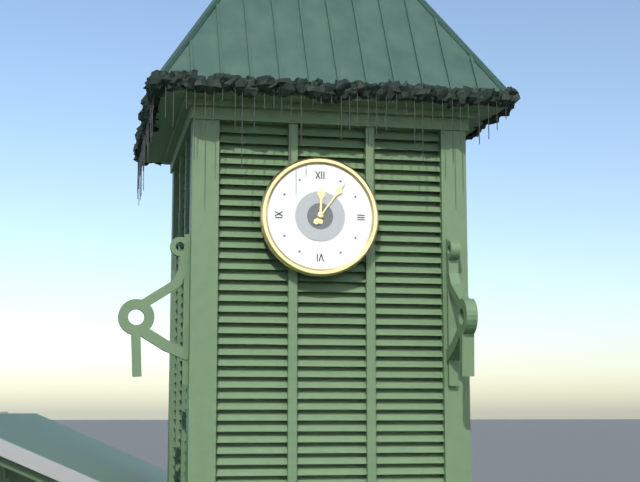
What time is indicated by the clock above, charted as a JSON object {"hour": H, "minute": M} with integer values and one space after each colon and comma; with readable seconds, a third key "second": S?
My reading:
{"hour": 12, "minute": 6}
